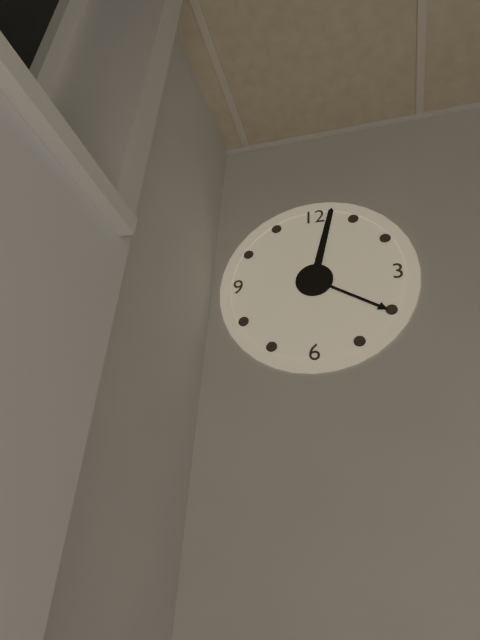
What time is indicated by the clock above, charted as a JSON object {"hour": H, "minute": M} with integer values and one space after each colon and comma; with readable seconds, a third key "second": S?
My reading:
{"hour": 4, "minute": 2}
